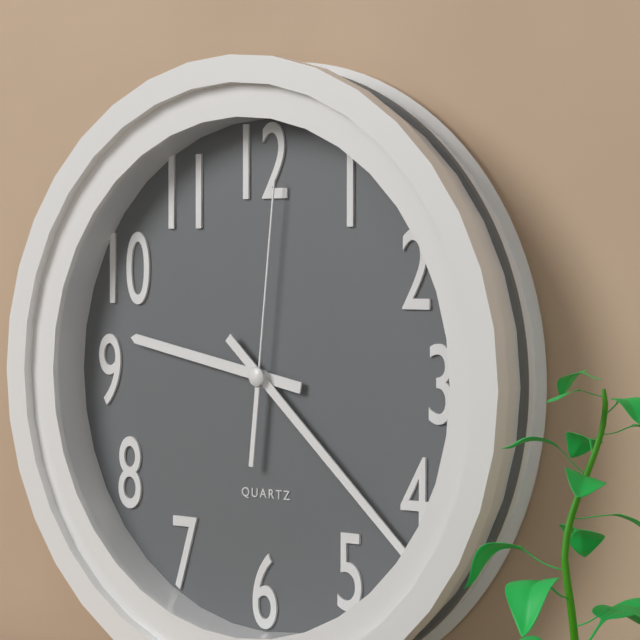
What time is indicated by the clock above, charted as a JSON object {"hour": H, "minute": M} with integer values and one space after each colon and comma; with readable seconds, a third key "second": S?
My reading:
{"hour": 9, "minute": 22, "second": 1}
